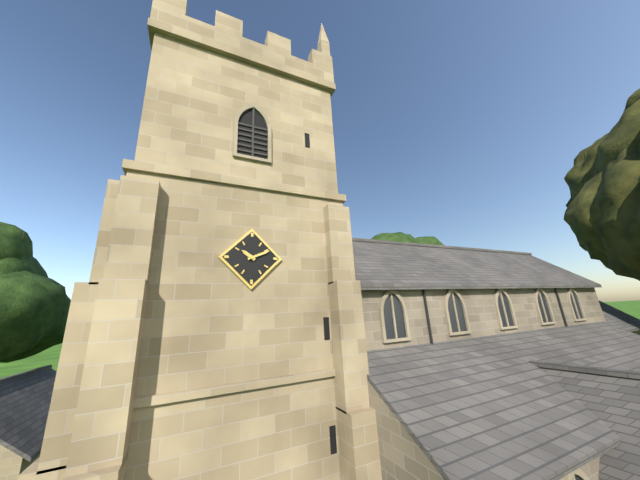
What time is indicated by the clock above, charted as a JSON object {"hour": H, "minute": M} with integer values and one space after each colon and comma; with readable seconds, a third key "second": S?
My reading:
{"hour": 10, "minute": 11}
